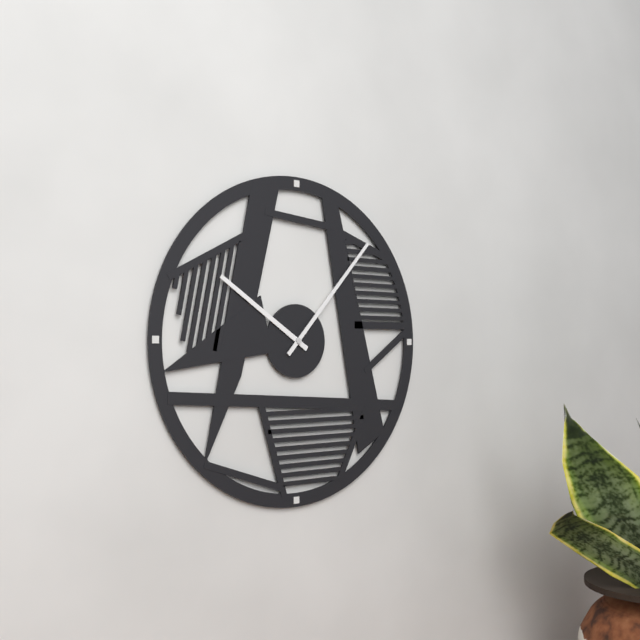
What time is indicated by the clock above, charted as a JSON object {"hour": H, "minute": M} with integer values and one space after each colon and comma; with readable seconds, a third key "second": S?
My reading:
{"hour": 10, "minute": 7}
